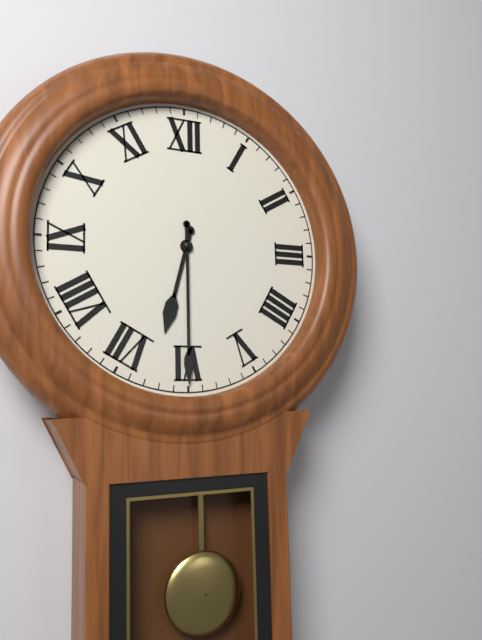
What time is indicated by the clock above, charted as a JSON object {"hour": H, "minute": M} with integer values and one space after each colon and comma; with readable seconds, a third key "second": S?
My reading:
{"hour": 6, "minute": 30}
